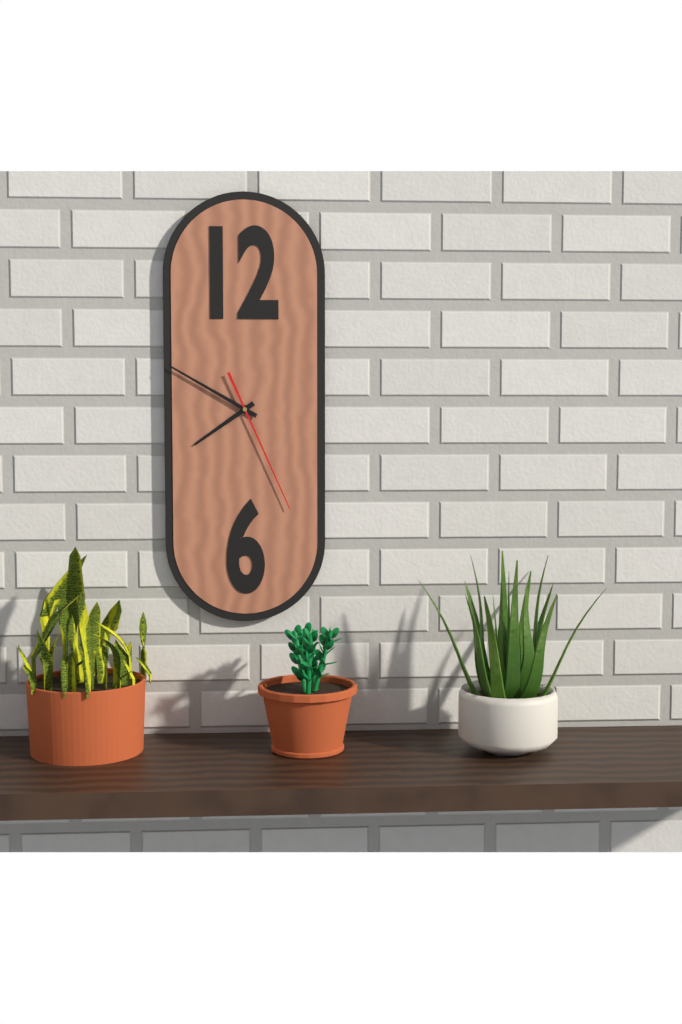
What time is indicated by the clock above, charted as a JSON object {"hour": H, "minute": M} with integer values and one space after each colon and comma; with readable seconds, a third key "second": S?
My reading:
{"hour": 7, "minute": 50, "second": 26}
